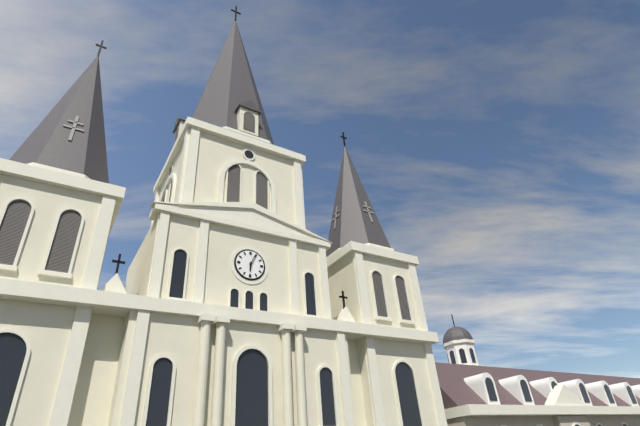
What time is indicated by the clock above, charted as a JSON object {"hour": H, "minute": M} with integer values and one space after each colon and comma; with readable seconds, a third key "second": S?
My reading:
{"hour": 6, "minute": 4}
